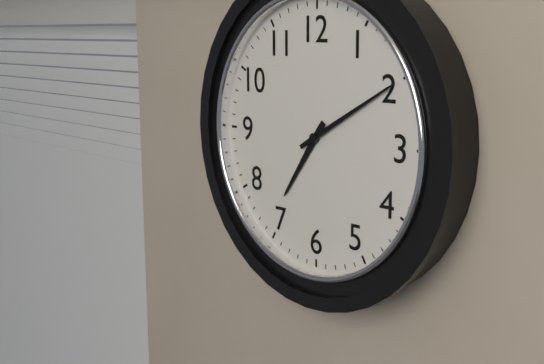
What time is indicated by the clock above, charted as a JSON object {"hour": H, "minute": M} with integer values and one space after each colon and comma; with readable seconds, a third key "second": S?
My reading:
{"hour": 7, "minute": 10}
